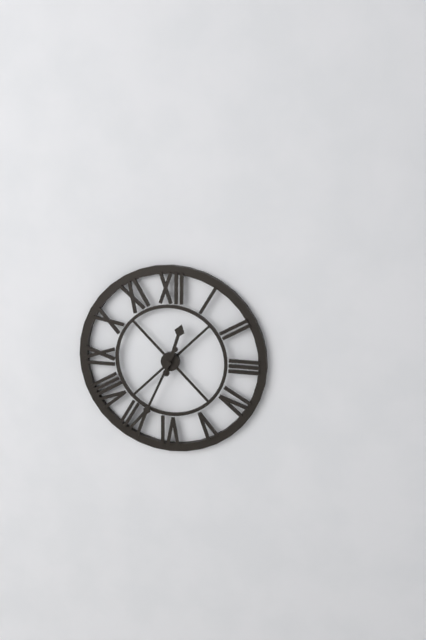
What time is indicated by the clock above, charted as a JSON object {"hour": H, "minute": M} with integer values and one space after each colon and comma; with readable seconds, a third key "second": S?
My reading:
{"hour": 12, "minute": 34}
